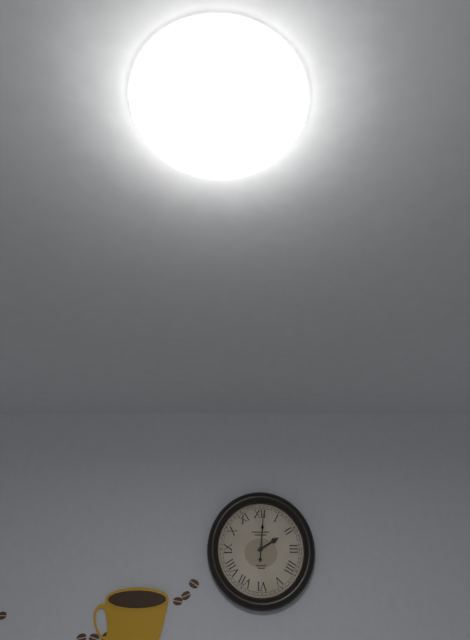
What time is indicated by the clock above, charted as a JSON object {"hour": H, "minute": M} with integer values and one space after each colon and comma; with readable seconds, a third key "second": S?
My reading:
{"hour": 2, "minute": 1}
